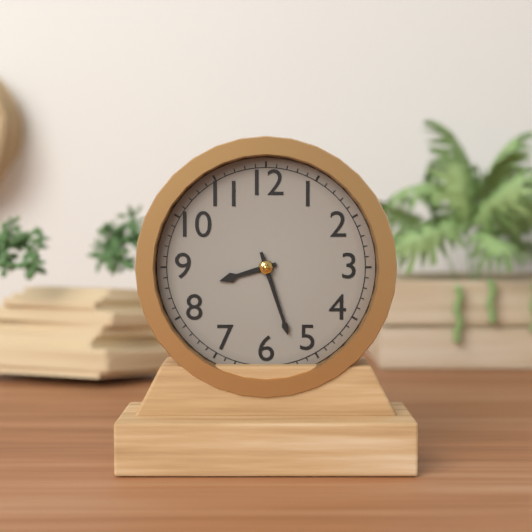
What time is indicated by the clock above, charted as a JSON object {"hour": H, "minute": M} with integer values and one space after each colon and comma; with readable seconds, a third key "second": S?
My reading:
{"hour": 8, "minute": 27}
